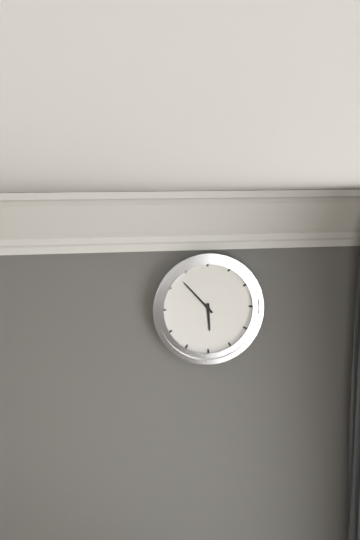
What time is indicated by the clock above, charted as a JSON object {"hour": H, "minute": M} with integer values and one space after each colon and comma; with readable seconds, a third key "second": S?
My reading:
{"hour": 5, "minute": 53}
